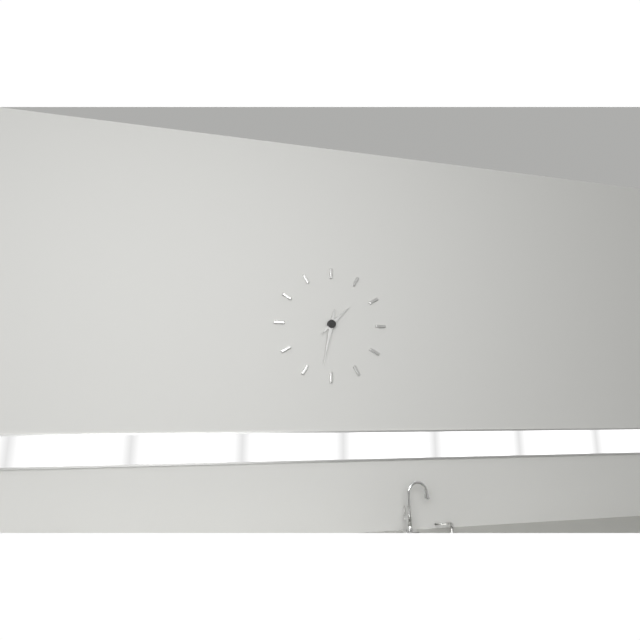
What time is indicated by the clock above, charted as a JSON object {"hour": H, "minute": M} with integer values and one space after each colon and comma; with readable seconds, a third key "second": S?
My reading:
{"hour": 1, "minute": 32}
